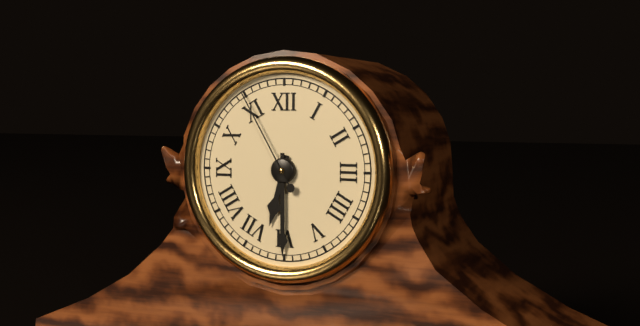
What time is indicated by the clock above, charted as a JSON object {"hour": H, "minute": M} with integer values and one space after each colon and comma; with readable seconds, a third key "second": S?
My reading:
{"hour": 6, "minute": 30, "second": 55}
